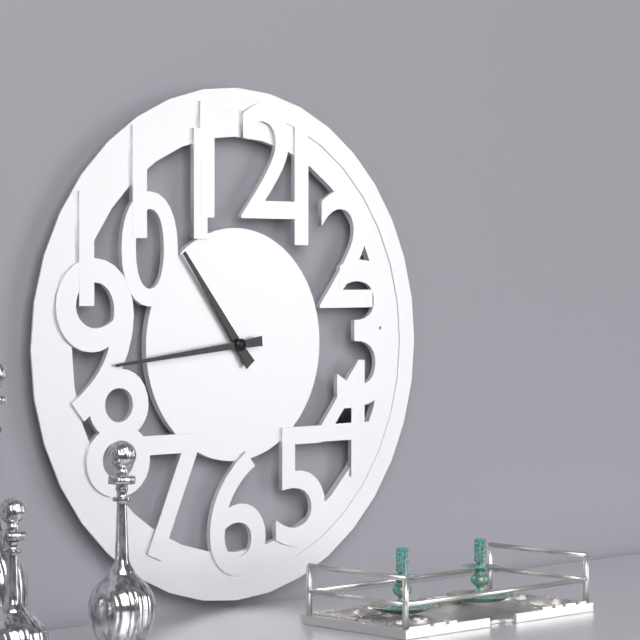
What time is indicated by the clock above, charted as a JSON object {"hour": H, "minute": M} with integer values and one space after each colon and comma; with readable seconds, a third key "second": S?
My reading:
{"hour": 10, "minute": 44}
